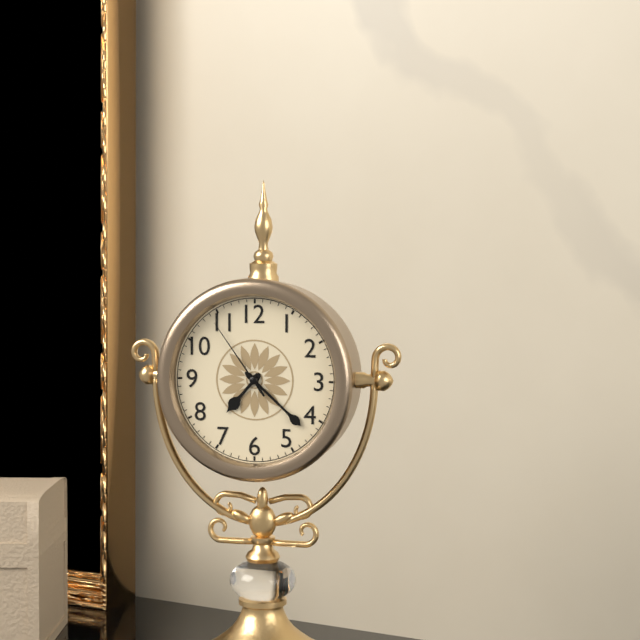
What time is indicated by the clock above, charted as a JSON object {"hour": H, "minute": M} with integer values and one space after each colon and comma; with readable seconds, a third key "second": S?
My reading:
{"hour": 7, "minute": 22, "second": 54}
